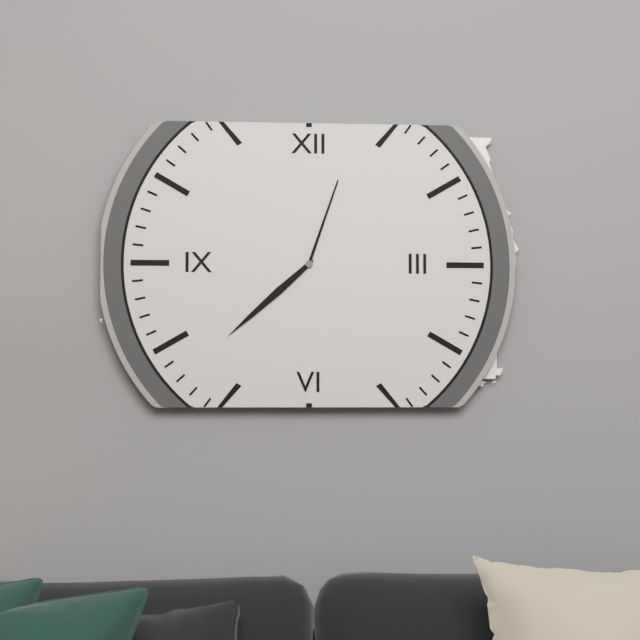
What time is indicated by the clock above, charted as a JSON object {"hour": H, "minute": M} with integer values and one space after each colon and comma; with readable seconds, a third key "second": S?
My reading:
{"hour": 12, "minute": 38}
